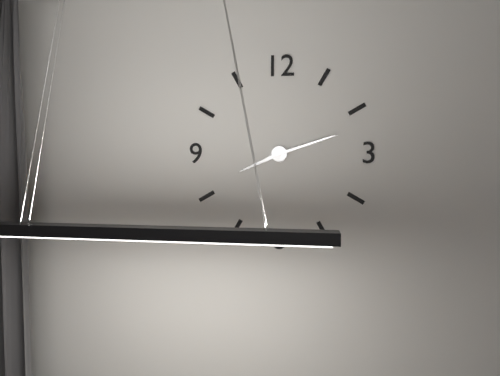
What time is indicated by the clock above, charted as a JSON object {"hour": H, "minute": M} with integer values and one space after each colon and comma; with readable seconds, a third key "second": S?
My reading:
{"hour": 8, "minute": 12}
